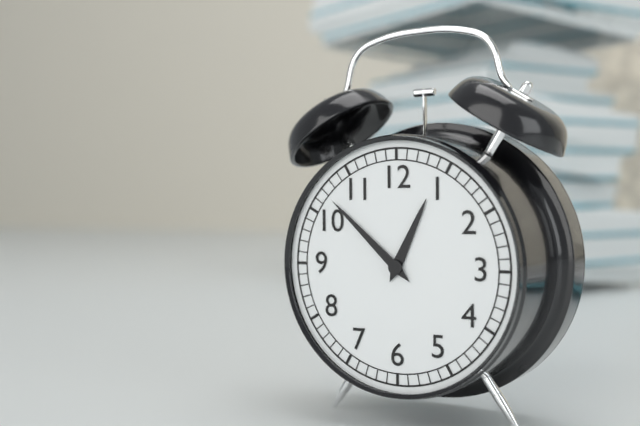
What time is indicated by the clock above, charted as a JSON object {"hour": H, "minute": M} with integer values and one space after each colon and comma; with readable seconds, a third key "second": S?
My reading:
{"hour": 12, "minute": 52}
